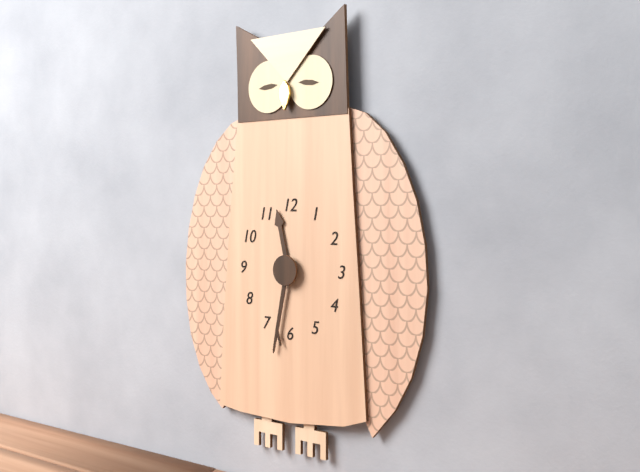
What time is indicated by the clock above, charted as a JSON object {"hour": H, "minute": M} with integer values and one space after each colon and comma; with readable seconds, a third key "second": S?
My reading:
{"hour": 11, "minute": 32}
